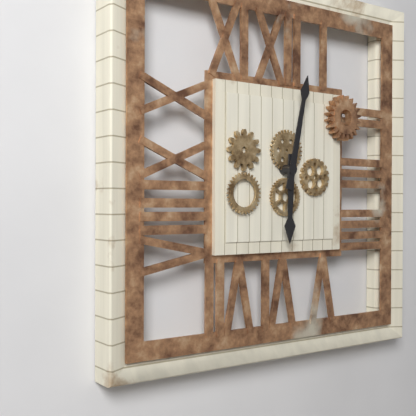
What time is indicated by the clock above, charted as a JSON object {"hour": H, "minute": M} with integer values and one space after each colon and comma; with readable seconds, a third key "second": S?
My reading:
{"hour": 6, "minute": 2}
